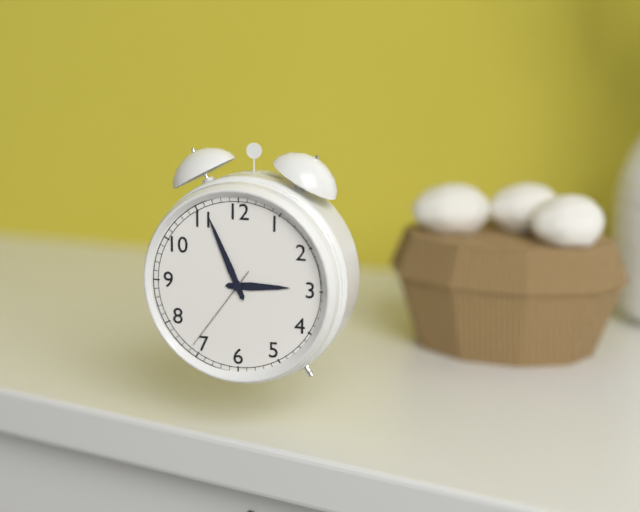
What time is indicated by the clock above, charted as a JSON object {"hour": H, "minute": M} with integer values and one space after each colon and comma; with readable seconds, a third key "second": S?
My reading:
{"hour": 2, "minute": 56, "second": 36}
